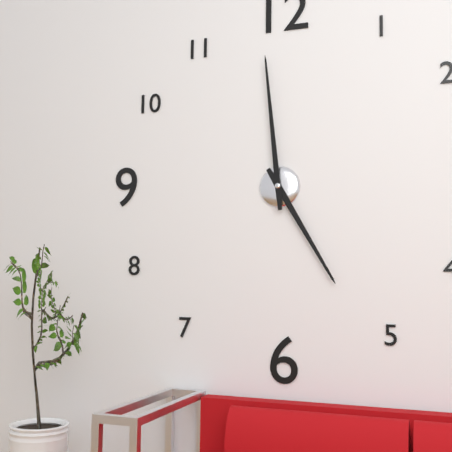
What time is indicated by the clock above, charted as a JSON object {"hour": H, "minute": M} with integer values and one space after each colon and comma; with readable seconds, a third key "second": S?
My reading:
{"hour": 4, "minute": 59}
